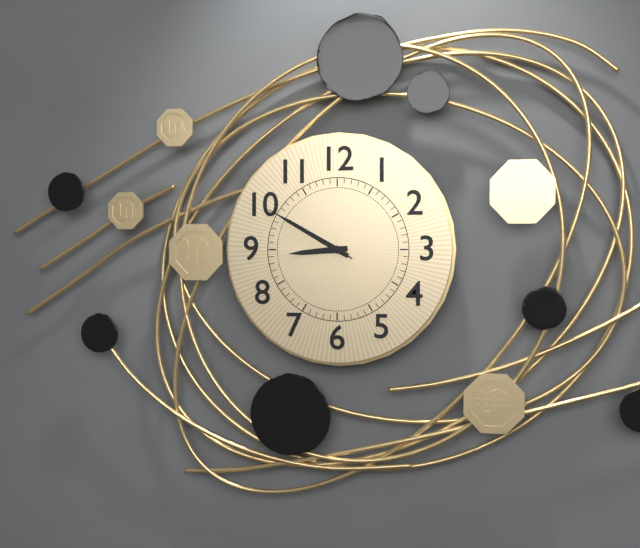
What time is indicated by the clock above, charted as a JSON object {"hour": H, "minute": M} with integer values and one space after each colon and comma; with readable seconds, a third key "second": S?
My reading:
{"hour": 8, "minute": 50, "second": 50}
